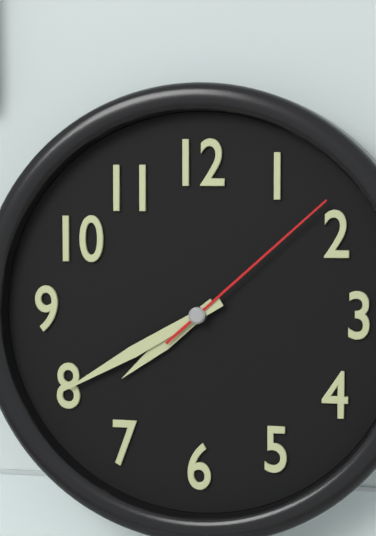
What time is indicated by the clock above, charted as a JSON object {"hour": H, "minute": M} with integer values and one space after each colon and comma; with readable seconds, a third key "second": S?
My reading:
{"hour": 7, "minute": 40, "second": 8}
